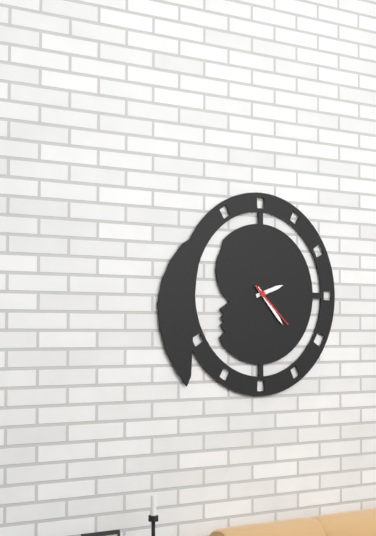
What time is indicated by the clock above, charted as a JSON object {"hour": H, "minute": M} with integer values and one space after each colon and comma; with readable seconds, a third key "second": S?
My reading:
{"hour": 2, "minute": 23, "second": 22}
